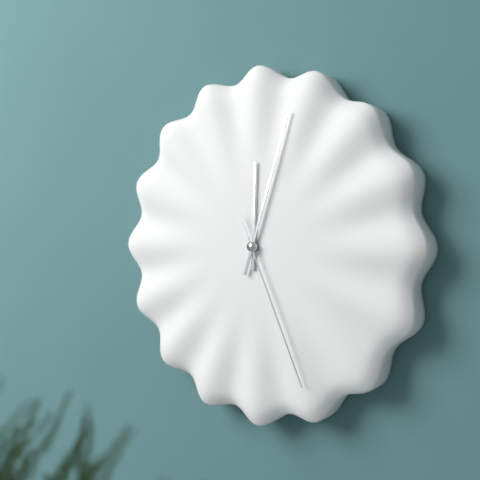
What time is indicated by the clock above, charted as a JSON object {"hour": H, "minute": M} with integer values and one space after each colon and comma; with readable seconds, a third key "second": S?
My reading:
{"hour": 12, "minute": 3, "second": 26}
